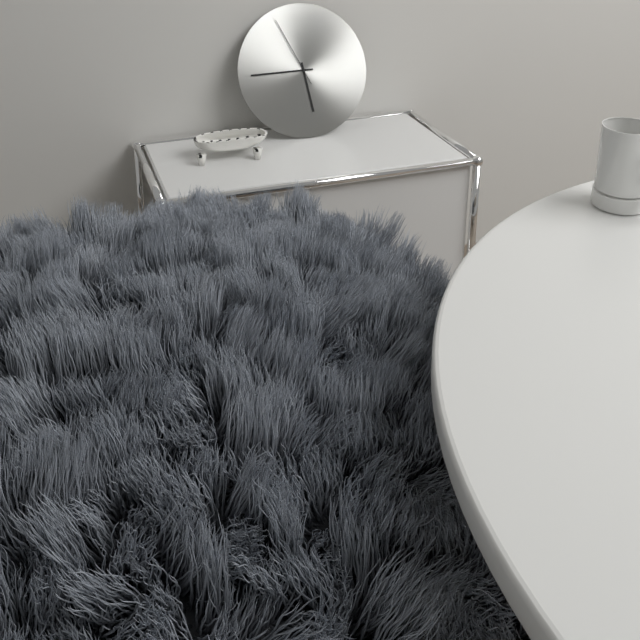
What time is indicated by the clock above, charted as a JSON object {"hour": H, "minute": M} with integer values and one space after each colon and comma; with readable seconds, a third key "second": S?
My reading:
{"hour": 5, "minute": 45, "second": 56}
